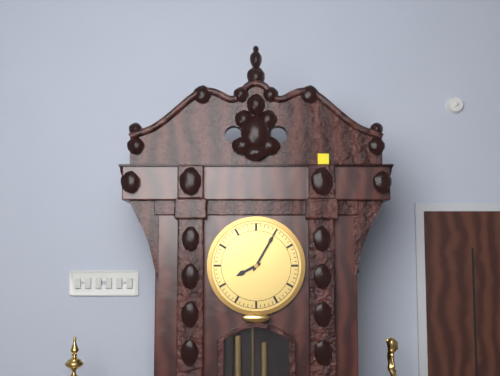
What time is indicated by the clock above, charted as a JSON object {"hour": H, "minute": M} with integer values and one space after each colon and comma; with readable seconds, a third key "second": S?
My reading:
{"hour": 8, "minute": 5}
